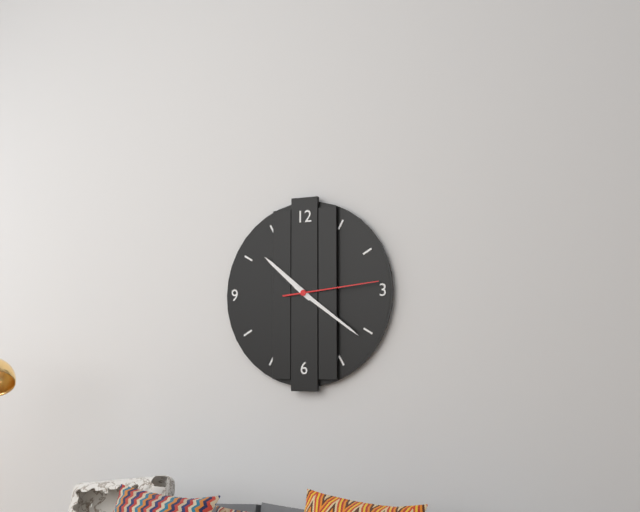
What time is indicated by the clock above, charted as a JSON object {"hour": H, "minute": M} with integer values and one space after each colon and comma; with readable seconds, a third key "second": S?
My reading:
{"hour": 10, "minute": 21, "second": 14}
